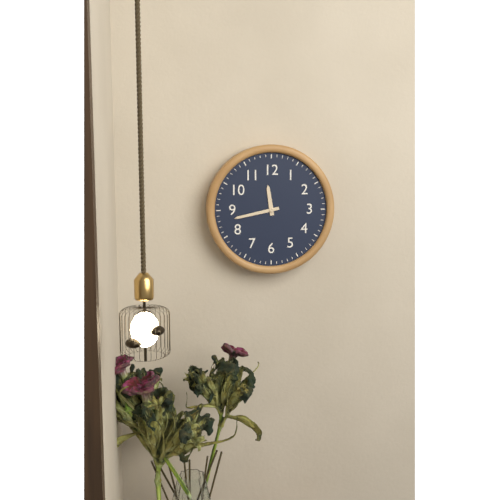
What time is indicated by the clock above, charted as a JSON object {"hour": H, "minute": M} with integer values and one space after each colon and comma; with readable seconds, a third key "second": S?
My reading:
{"hour": 11, "minute": 43}
